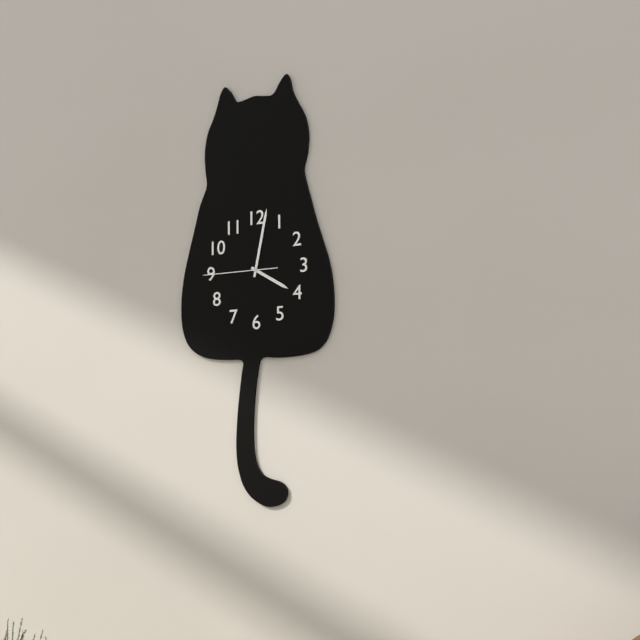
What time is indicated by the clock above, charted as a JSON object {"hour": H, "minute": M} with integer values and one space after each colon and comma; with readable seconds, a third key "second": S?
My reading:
{"hour": 4, "minute": 2, "second": 45}
